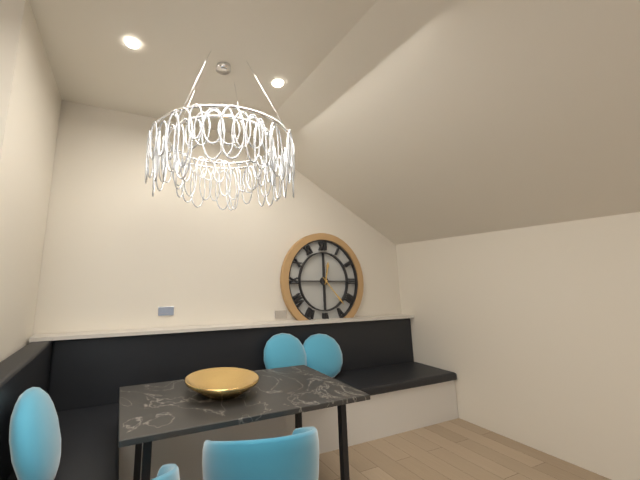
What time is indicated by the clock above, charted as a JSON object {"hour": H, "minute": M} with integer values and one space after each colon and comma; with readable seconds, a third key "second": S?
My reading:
{"hour": 12, "minute": 23}
